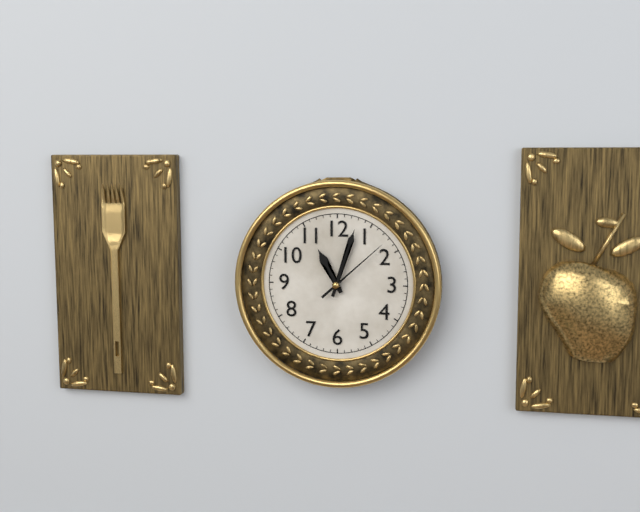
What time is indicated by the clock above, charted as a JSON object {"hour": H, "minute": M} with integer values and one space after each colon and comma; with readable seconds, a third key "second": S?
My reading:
{"hour": 11, "minute": 3, "second": 8}
